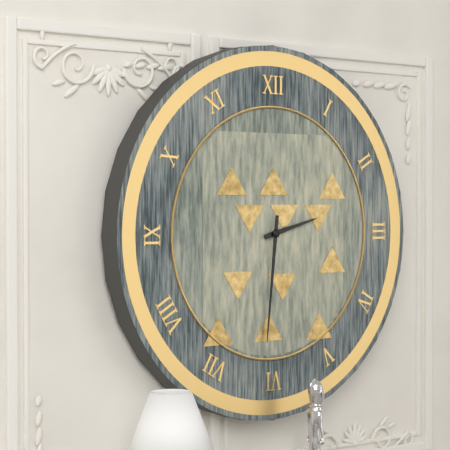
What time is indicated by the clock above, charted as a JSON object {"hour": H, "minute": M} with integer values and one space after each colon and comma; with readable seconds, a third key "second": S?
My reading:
{"hour": 2, "minute": 31}
